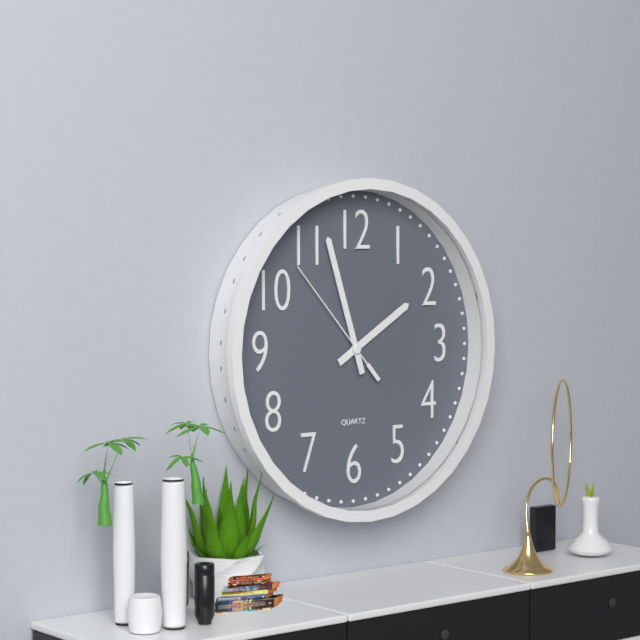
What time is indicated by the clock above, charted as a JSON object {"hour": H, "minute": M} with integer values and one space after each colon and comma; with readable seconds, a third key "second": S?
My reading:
{"hour": 1, "minute": 57, "second": 53}
